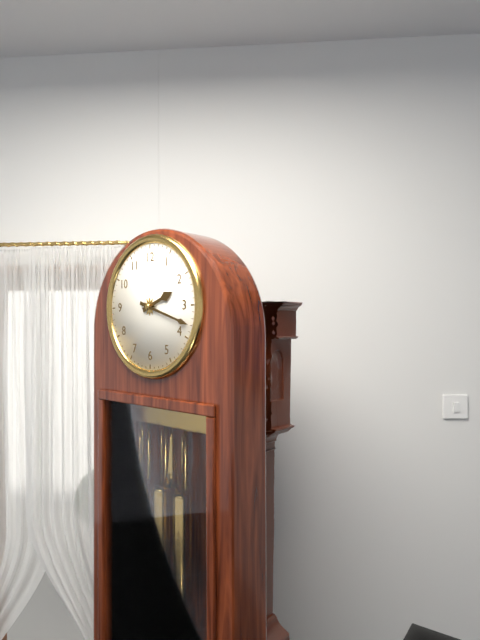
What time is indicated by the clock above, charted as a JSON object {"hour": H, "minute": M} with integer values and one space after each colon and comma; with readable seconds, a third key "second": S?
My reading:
{"hour": 2, "minute": 18}
